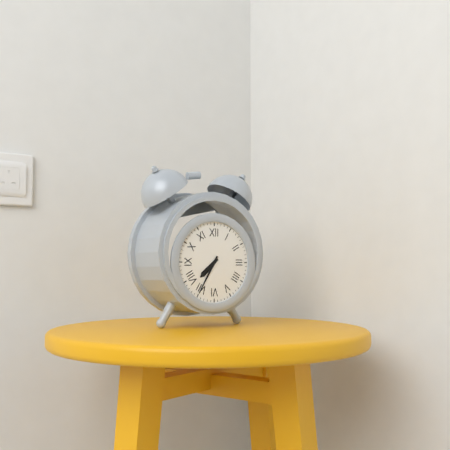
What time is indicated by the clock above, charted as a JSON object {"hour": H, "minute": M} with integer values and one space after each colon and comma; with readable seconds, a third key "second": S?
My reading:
{"hour": 7, "minute": 35}
